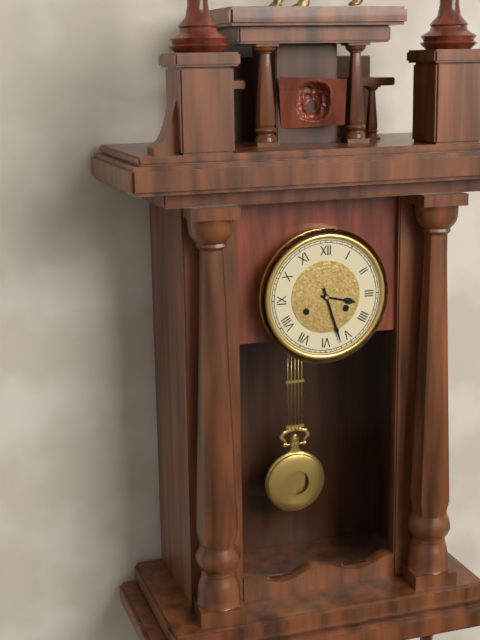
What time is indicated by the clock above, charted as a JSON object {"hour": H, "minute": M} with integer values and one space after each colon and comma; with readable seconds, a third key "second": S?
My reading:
{"hour": 3, "minute": 27}
